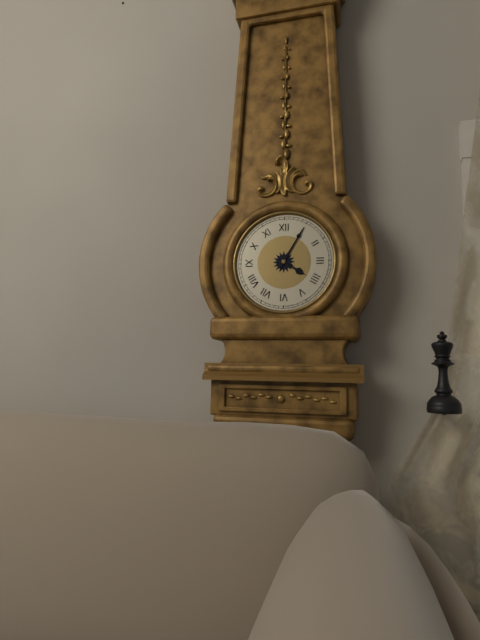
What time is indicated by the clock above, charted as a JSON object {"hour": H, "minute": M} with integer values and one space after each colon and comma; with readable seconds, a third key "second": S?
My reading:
{"hour": 4, "minute": 5}
